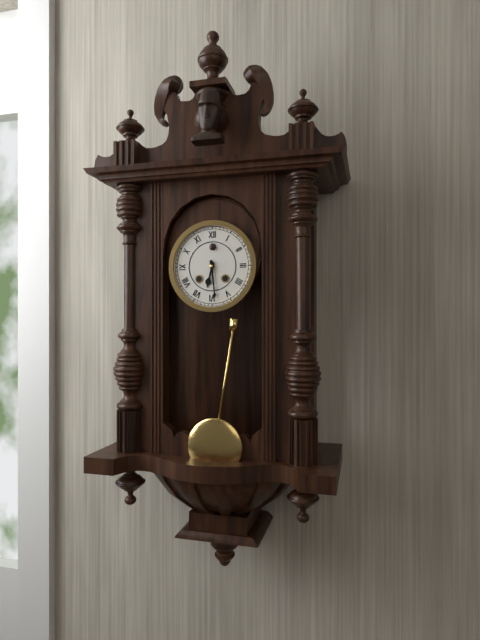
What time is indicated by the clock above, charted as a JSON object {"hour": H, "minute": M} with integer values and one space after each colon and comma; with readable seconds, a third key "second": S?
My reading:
{"hour": 6, "minute": 29}
